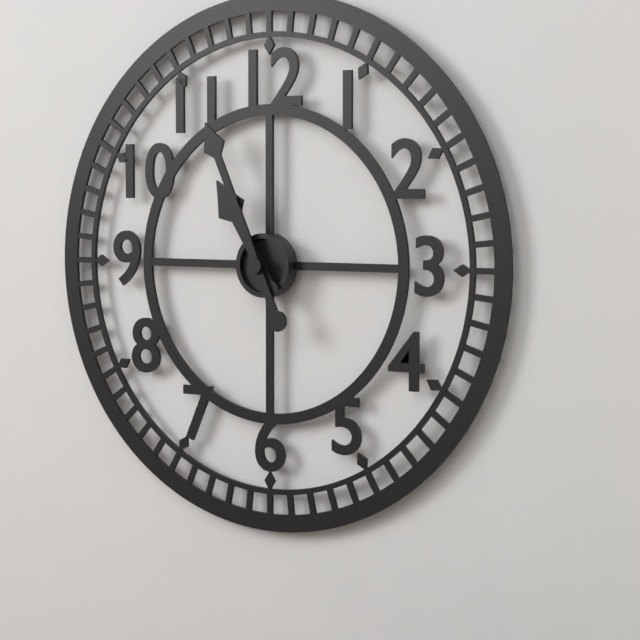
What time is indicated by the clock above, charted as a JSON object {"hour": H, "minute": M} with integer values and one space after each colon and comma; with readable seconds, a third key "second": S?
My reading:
{"hour": 10, "minute": 56}
